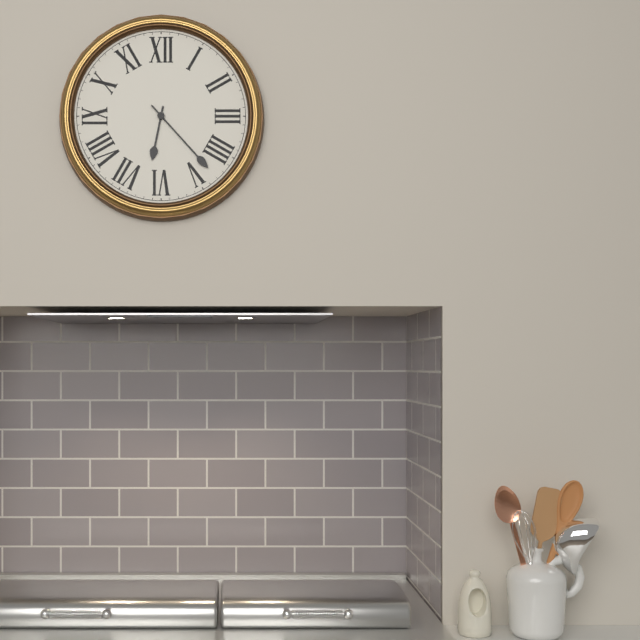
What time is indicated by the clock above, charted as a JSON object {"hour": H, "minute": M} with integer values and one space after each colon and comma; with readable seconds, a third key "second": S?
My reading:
{"hour": 6, "minute": 23}
